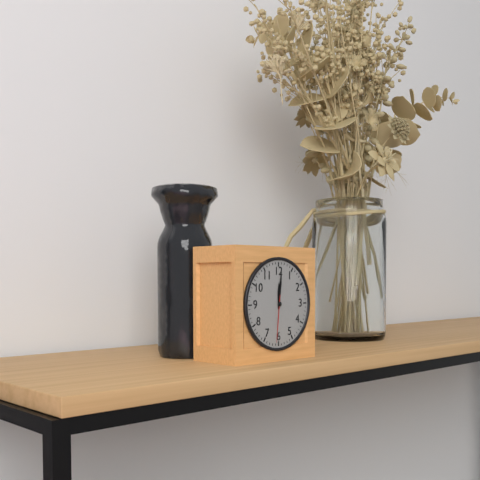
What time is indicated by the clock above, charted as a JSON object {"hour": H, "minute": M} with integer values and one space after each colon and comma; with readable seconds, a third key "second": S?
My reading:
{"hour": 12, "minute": 1}
